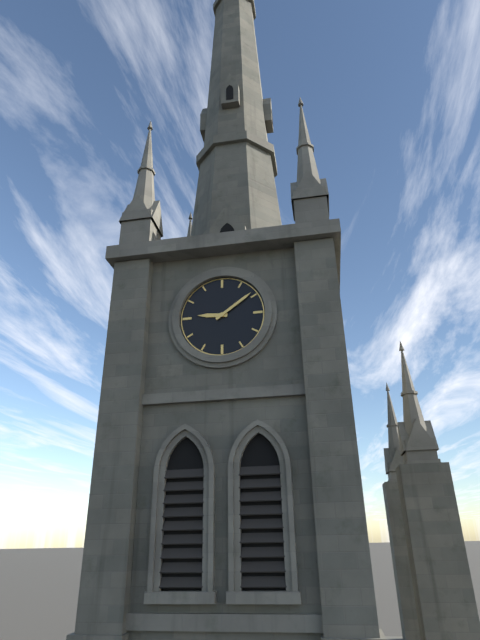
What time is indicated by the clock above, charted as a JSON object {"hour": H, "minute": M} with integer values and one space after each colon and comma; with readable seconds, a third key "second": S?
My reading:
{"hour": 9, "minute": 9}
